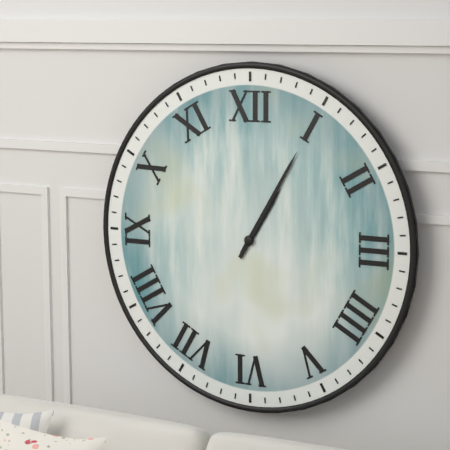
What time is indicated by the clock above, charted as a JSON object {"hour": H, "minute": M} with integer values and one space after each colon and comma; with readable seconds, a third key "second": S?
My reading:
{"hour": 1, "minute": 5}
